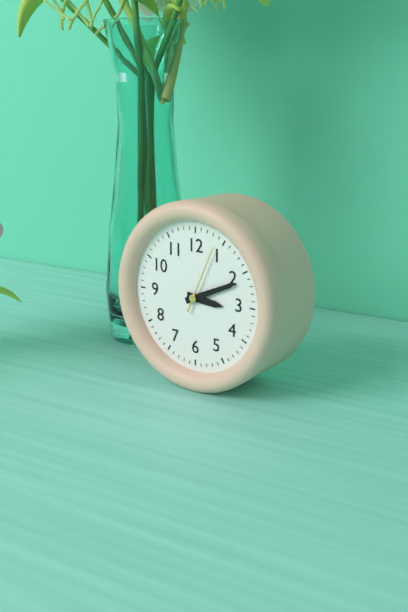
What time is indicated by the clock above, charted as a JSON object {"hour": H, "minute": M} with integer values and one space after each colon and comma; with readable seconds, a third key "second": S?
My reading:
{"hour": 3, "minute": 11, "second": 4}
